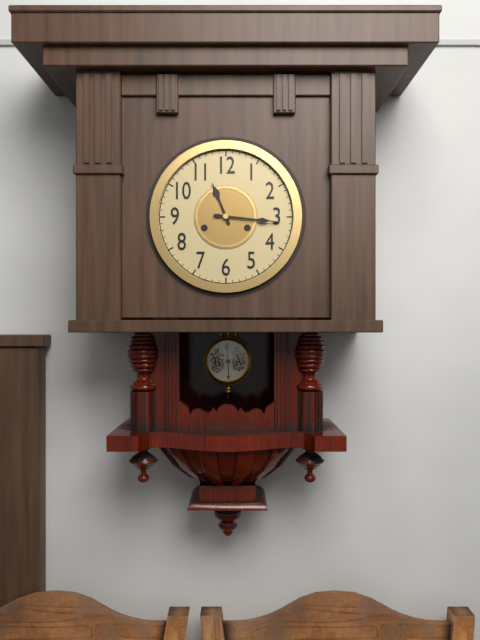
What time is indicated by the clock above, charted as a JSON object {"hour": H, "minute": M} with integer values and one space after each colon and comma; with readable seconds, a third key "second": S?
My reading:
{"hour": 11, "minute": 16}
